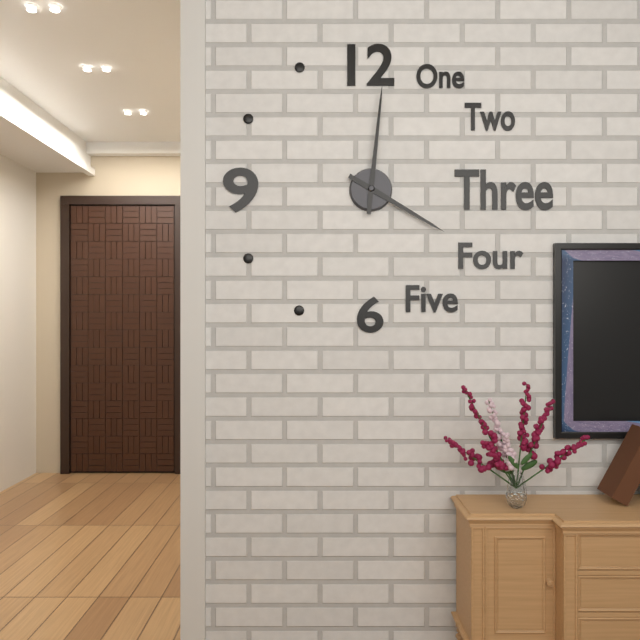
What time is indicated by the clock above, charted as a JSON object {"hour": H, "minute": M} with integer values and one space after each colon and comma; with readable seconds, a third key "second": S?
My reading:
{"hour": 4, "minute": 1}
